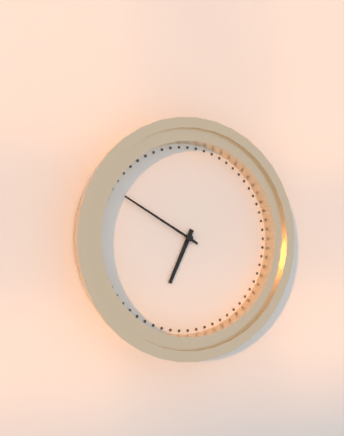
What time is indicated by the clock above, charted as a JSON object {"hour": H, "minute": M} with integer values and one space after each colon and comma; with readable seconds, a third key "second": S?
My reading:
{"hour": 6, "minute": 50}
